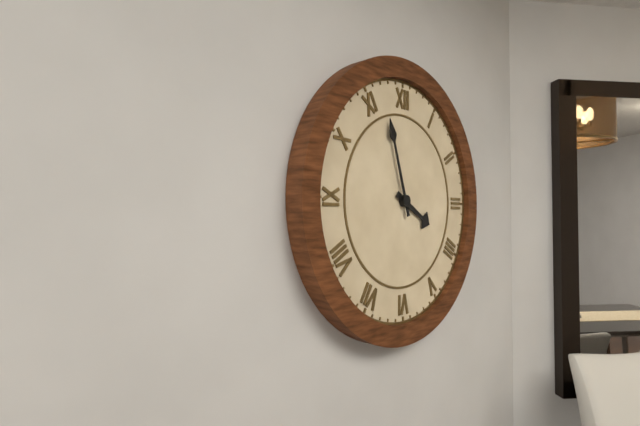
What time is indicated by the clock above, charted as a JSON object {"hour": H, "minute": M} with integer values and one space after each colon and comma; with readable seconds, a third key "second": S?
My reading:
{"hour": 3, "minute": 57}
